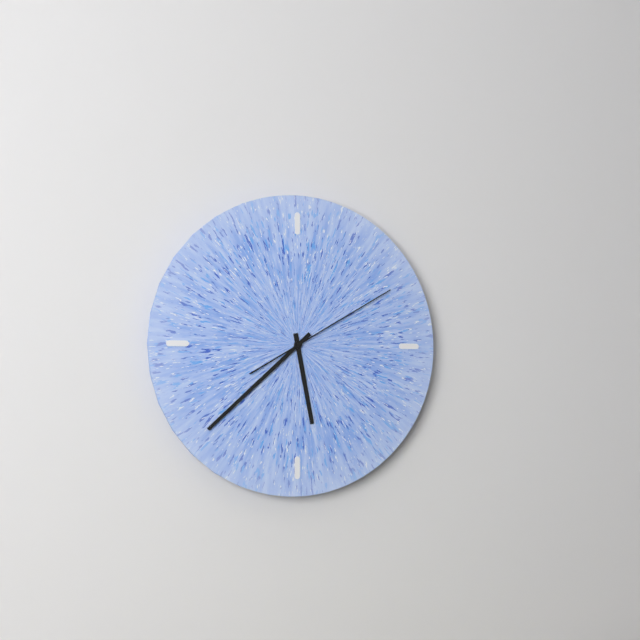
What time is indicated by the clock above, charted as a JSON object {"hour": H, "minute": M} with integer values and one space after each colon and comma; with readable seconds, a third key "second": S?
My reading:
{"hour": 5, "minute": 38, "second": 10}
